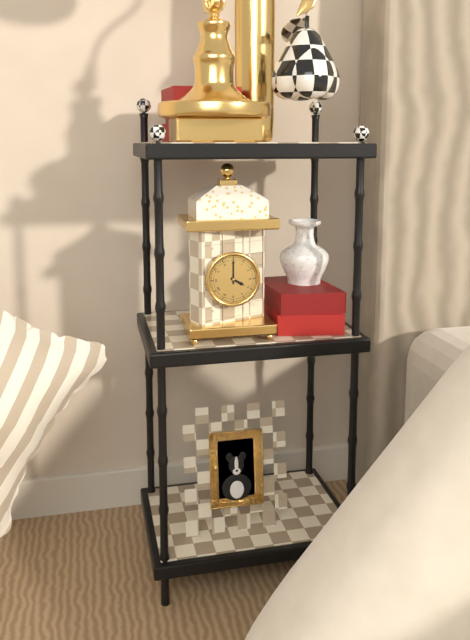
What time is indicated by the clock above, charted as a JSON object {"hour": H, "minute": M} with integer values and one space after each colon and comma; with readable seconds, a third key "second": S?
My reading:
{"hour": 4, "minute": 0}
